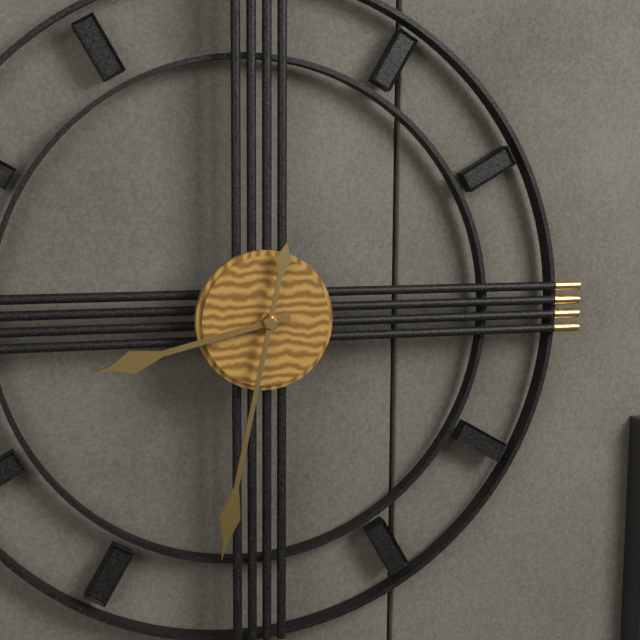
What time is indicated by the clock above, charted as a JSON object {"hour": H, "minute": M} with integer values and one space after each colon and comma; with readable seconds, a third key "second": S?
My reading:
{"hour": 8, "minute": 32}
